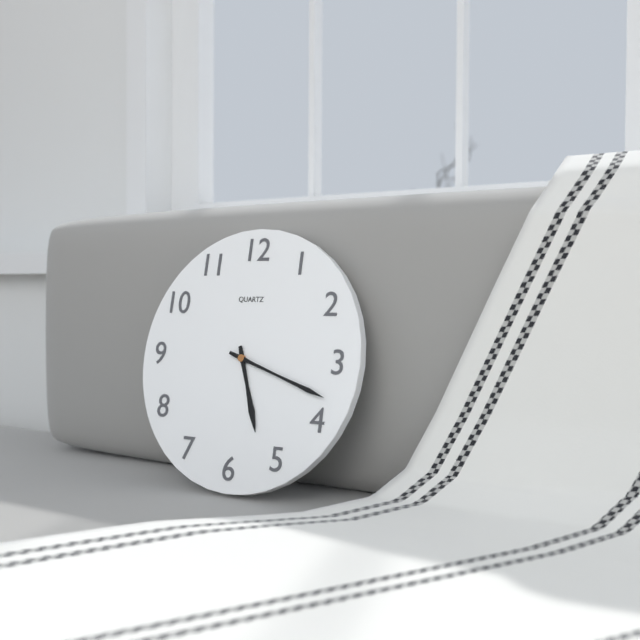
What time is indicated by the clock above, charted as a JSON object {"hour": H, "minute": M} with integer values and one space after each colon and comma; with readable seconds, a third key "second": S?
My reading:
{"hour": 5, "minute": 18}
